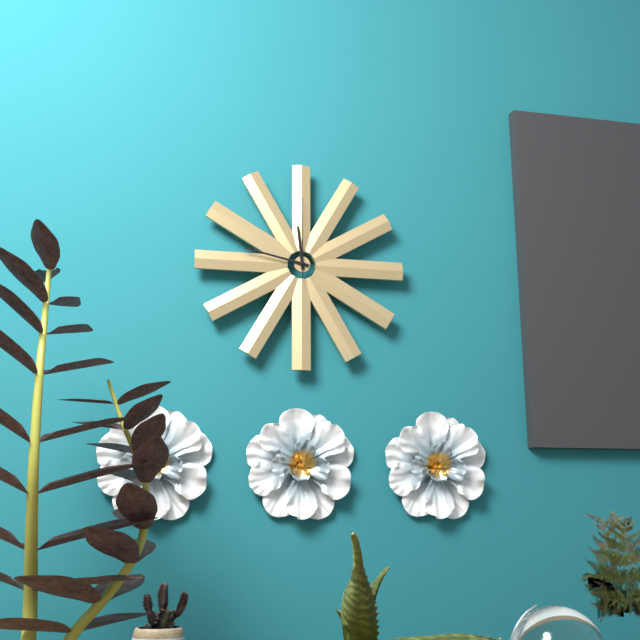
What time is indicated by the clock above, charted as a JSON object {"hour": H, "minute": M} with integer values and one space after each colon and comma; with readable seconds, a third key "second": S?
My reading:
{"hour": 11, "minute": 47, "second": 0}
